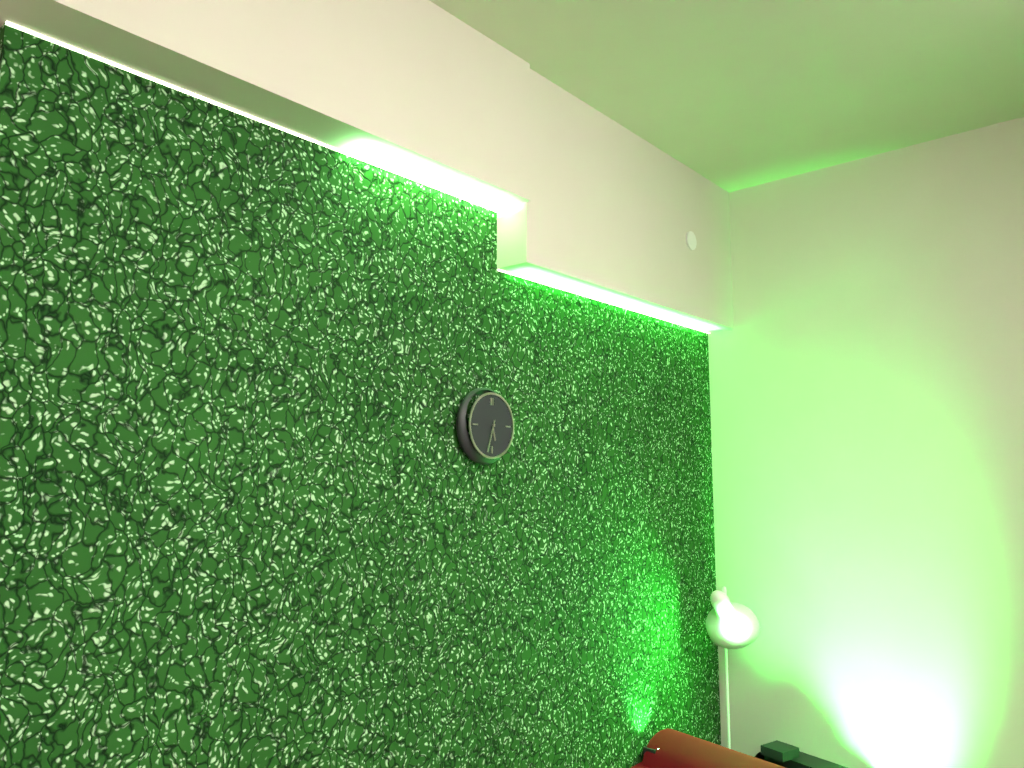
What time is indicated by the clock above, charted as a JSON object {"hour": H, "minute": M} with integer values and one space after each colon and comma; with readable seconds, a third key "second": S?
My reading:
{"hour": 5, "minute": 33}
